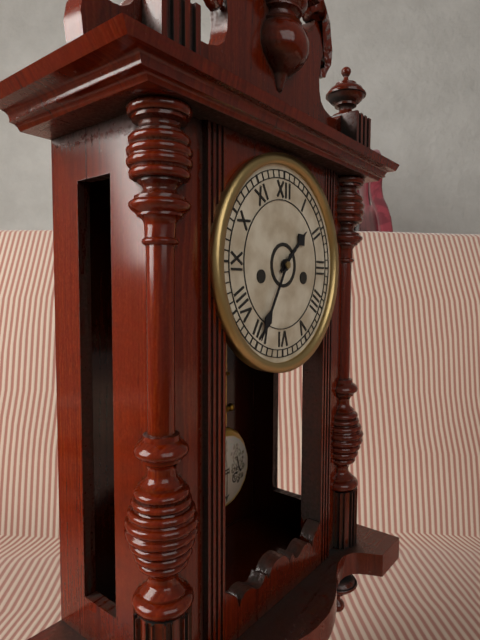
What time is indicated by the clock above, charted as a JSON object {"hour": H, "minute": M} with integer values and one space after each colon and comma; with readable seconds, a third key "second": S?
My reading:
{"hour": 1, "minute": 35}
